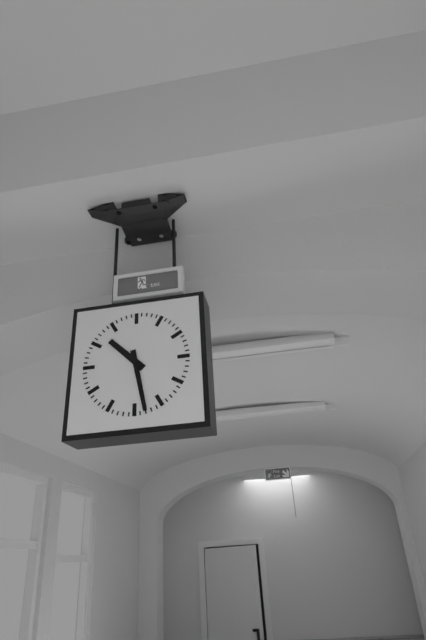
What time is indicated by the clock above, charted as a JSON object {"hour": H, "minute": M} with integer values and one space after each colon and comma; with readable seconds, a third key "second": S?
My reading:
{"hour": 10, "minute": 28}
